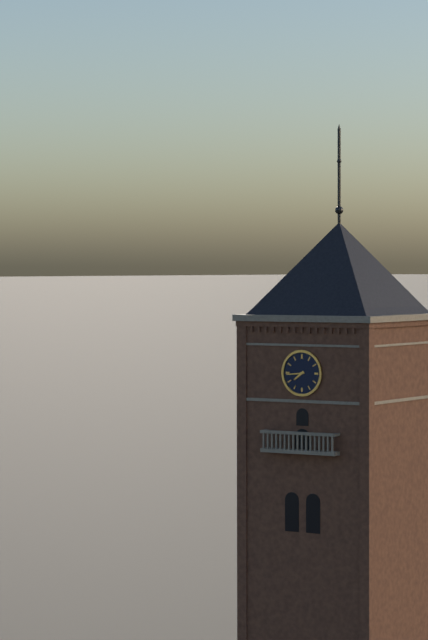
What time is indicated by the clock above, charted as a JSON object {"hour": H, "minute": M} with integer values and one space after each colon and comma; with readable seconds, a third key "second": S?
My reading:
{"hour": 7, "minute": 44}
